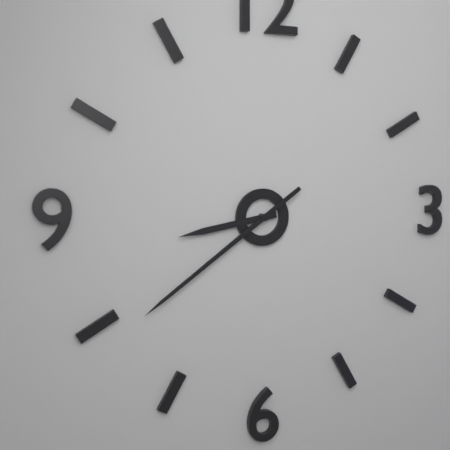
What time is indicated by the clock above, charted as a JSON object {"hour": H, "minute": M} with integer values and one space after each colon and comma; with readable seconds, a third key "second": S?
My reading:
{"hour": 8, "minute": 39}
